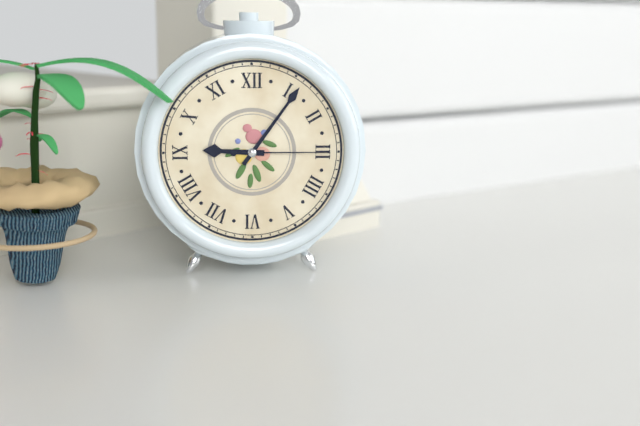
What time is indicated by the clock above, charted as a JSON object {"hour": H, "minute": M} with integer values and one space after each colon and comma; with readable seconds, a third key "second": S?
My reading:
{"hour": 9, "minute": 6, "second": 15}
